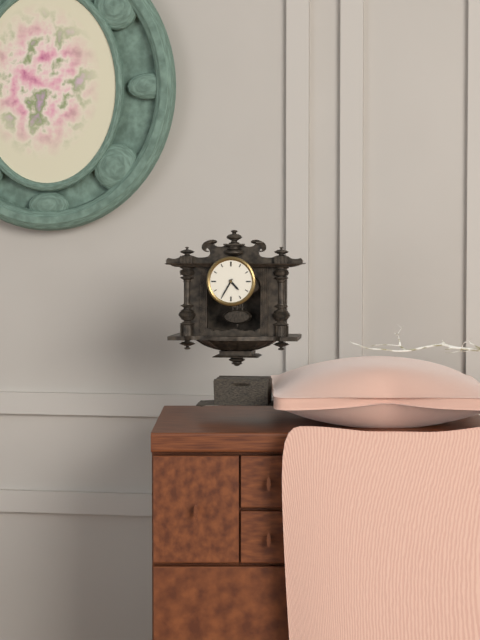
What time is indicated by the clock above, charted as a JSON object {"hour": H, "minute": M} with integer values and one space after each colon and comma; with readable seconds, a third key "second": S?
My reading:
{"hour": 4, "minute": 35}
